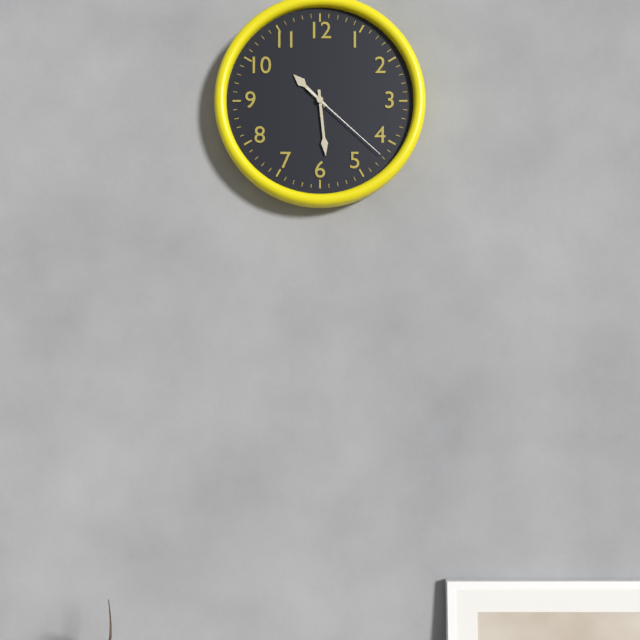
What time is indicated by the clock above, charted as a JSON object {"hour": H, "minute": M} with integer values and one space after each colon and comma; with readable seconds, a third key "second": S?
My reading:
{"hour": 10, "minute": 29, "second": 22}
